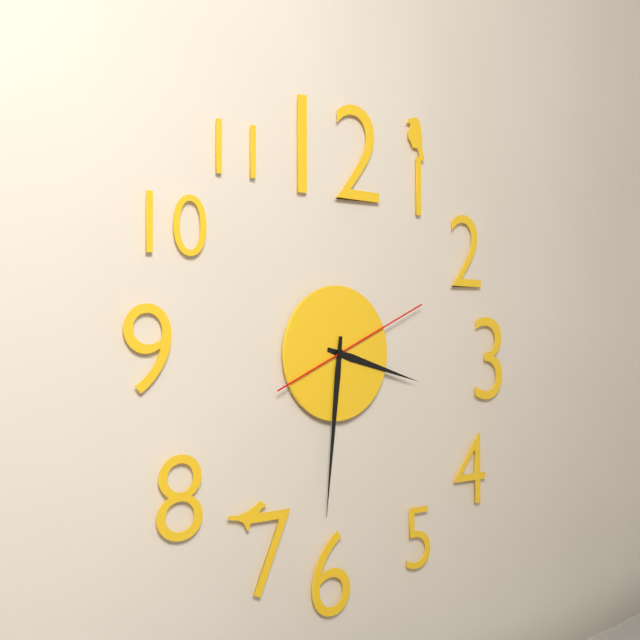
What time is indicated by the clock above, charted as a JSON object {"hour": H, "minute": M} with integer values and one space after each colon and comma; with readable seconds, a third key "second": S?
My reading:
{"hour": 3, "minute": 31, "second": 11}
